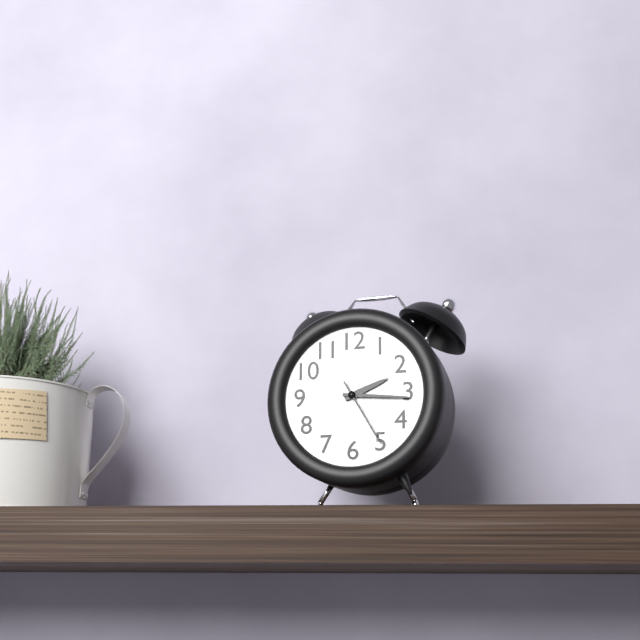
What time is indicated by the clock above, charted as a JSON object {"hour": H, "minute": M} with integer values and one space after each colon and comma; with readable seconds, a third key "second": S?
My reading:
{"hour": 2, "minute": 16, "second": 25}
